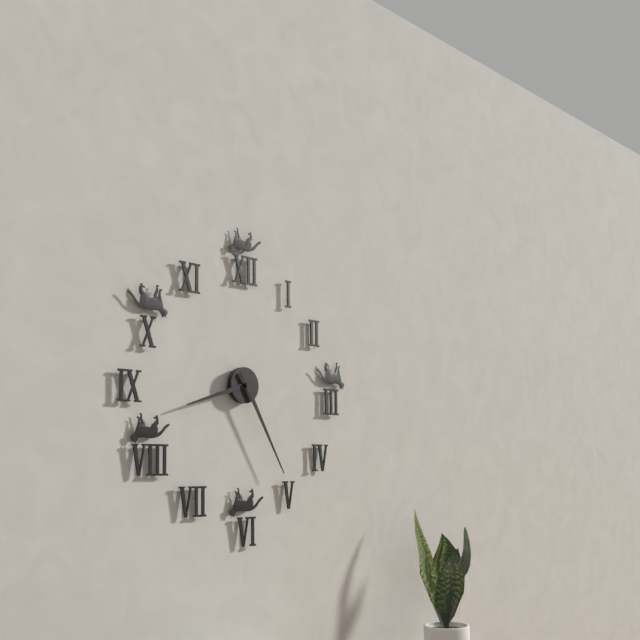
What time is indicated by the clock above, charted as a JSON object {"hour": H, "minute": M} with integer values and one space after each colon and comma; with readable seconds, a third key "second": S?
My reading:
{"hour": 8, "minute": 25}
